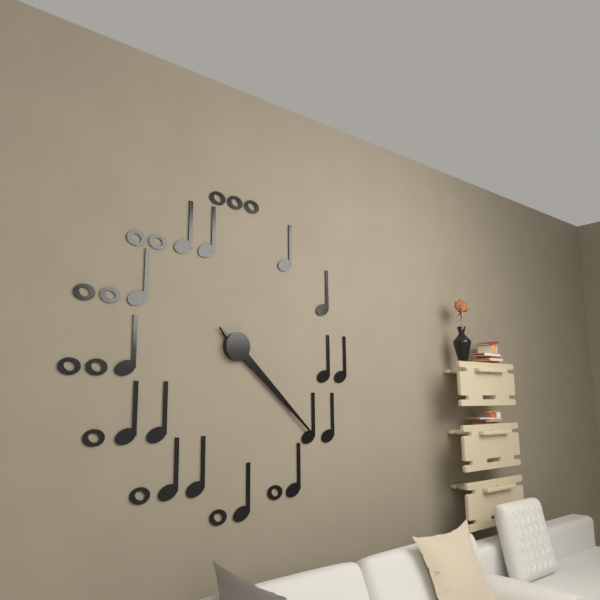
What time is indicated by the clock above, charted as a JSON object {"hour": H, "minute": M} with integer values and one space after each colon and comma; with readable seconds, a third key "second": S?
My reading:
{"hour": 4, "minute": 22}
